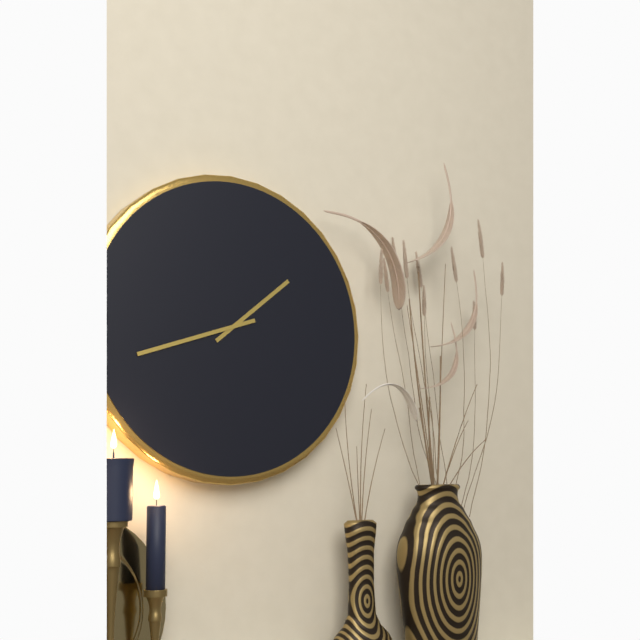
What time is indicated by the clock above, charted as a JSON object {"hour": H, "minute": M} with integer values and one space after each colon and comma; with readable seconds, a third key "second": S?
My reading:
{"hour": 1, "minute": 42}
